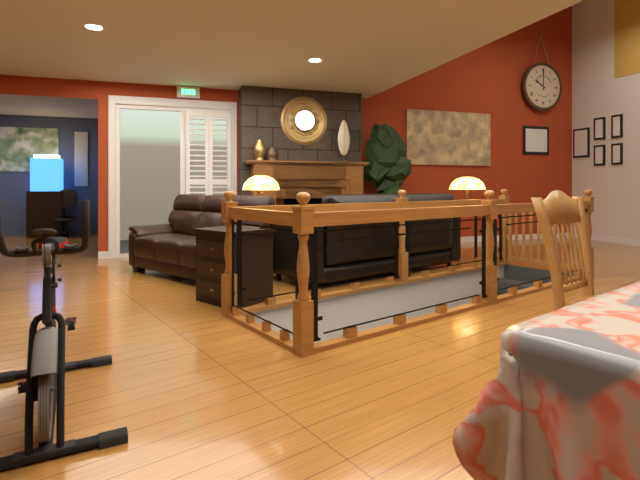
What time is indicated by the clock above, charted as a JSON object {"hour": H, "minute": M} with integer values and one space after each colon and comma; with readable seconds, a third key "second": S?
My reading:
{"hour": 10, "minute": 0}
